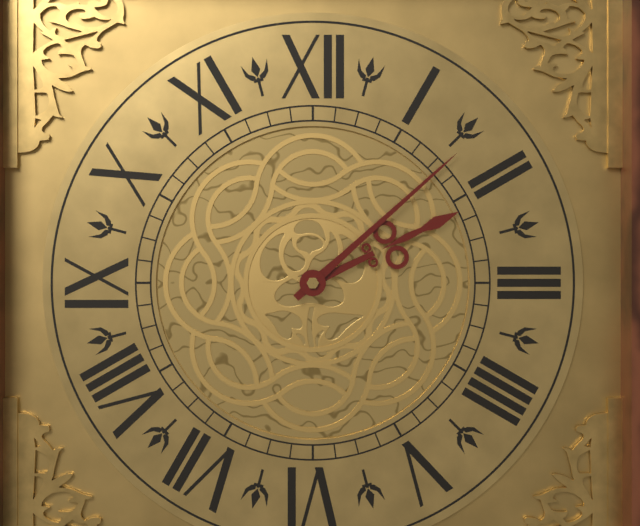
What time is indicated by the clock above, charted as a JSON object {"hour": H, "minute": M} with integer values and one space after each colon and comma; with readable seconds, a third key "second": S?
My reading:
{"hour": 2, "minute": 8}
